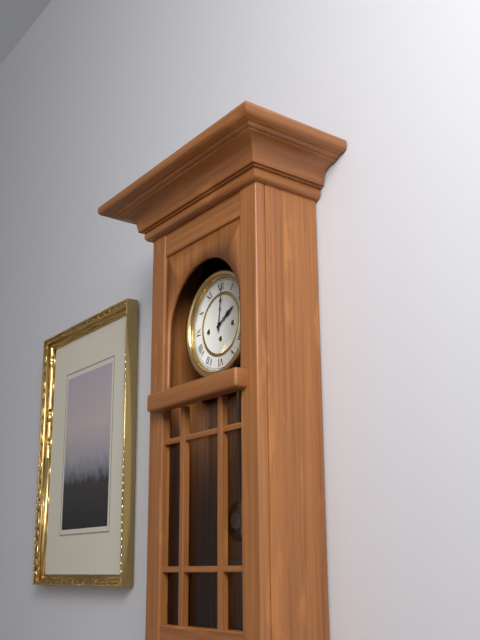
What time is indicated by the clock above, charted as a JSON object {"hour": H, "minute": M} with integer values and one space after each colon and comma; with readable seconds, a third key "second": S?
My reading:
{"hour": 2, "minute": 1}
